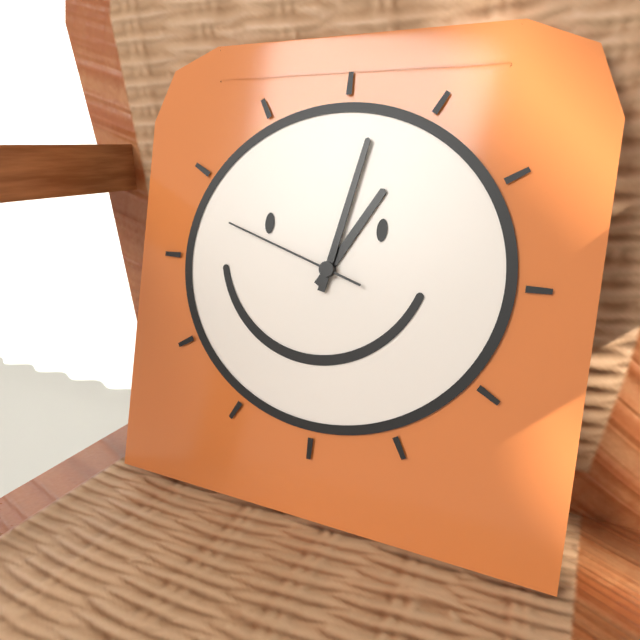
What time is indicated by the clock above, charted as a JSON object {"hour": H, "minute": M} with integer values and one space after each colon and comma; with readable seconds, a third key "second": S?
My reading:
{"hour": 1, "minute": 2, "second": 48}
